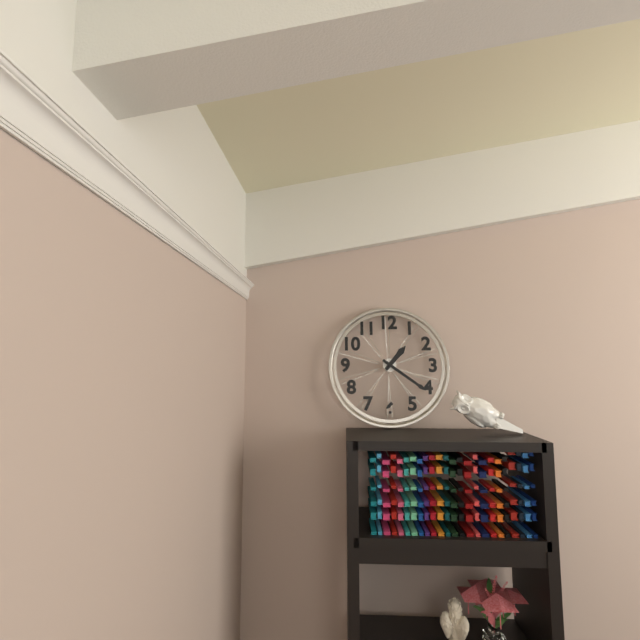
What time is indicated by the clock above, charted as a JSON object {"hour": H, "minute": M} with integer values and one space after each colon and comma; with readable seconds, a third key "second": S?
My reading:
{"hour": 1, "minute": 21}
